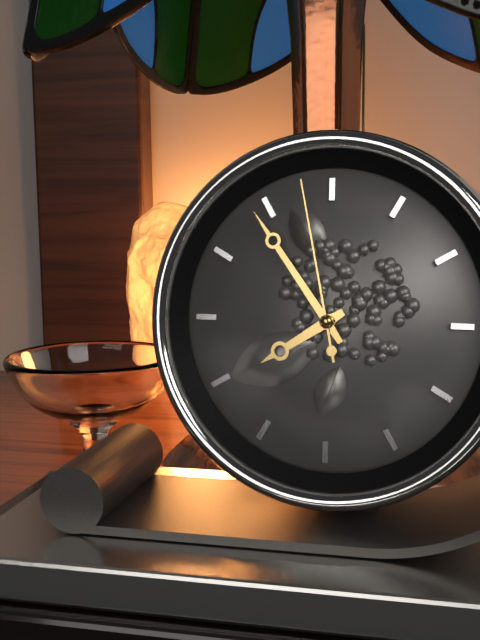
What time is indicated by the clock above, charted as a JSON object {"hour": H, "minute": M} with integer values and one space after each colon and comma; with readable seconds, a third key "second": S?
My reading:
{"hour": 7, "minute": 54, "second": 58}
